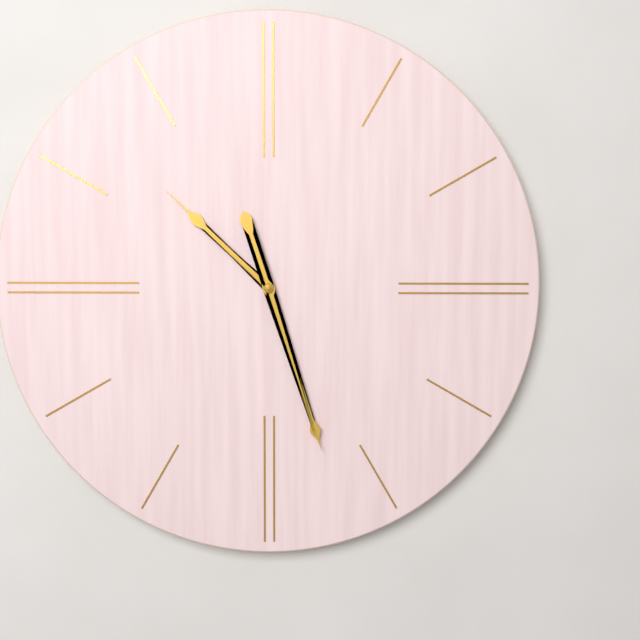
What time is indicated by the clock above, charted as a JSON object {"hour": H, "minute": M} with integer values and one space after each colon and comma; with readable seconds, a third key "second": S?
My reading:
{"hour": 10, "minute": 27}
